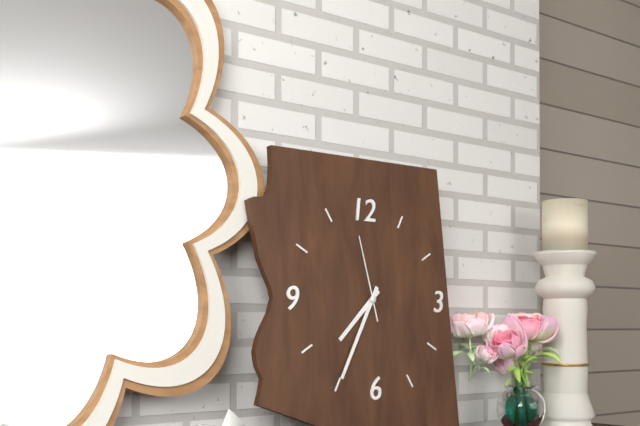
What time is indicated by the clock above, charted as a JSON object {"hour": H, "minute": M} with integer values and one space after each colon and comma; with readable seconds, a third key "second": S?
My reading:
{"hour": 7, "minute": 35, "second": 58}
